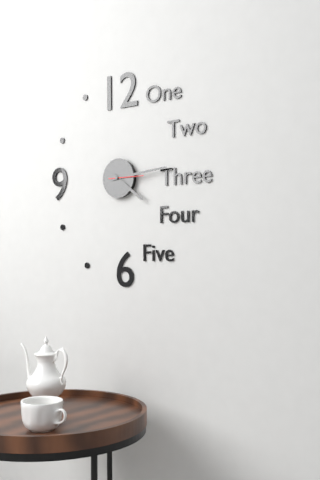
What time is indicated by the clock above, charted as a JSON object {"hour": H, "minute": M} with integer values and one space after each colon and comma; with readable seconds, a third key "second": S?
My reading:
{"hour": 4, "minute": 14}
